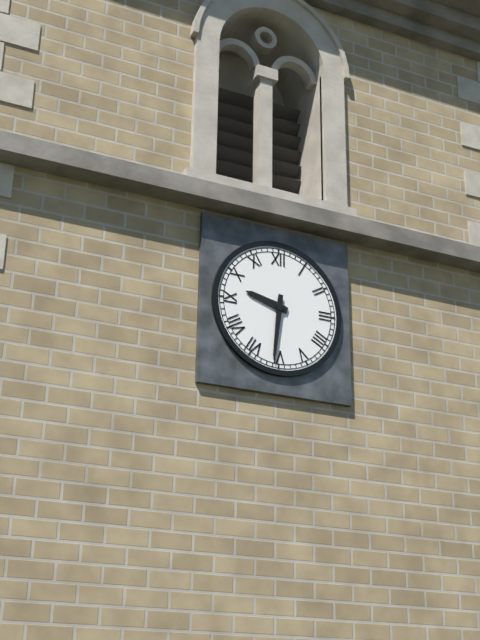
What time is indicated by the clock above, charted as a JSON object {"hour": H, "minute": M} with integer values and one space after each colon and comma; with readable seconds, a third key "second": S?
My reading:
{"hour": 9, "minute": 31}
